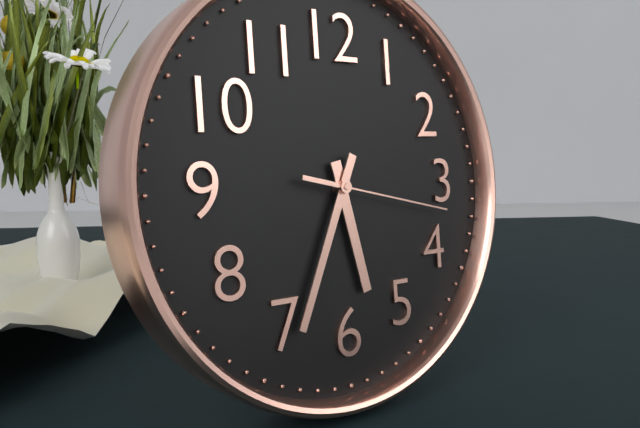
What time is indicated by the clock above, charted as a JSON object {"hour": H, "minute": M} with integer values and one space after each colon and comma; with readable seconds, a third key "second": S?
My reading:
{"hour": 5, "minute": 34, "second": 17}
